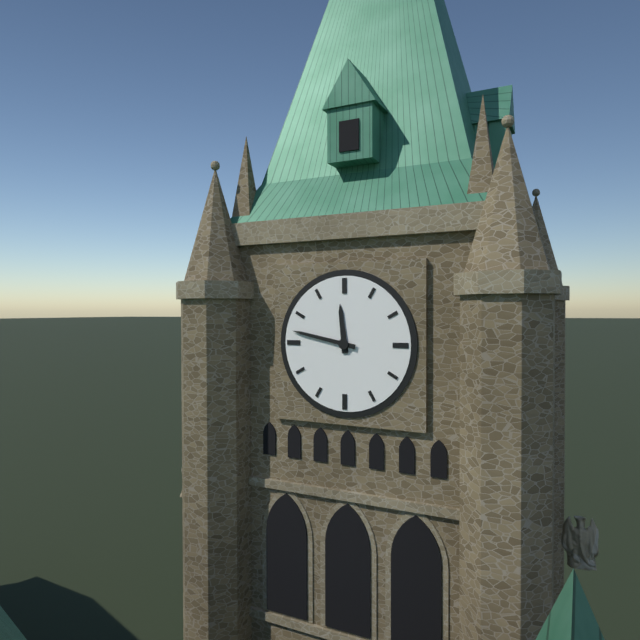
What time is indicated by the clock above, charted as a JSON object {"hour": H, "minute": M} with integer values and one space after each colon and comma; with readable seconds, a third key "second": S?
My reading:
{"hour": 11, "minute": 47}
